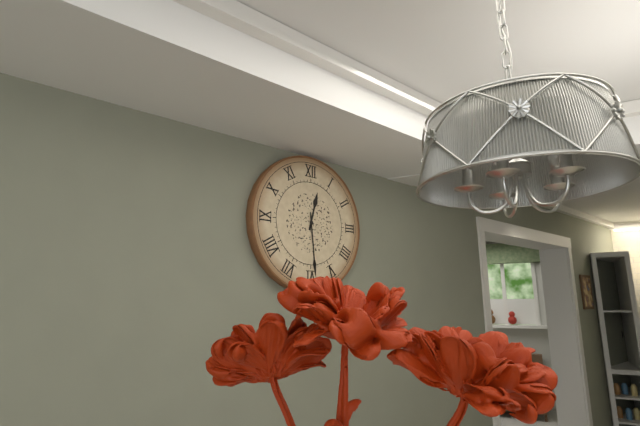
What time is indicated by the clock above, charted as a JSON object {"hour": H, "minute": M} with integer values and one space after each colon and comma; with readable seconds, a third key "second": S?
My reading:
{"hour": 12, "minute": 29}
